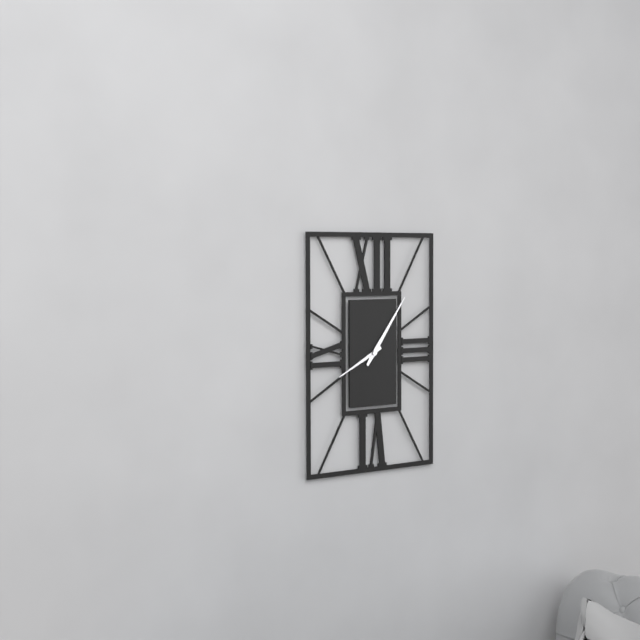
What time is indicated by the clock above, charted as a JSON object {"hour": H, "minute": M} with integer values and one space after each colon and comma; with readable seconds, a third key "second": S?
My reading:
{"hour": 8, "minute": 6}
